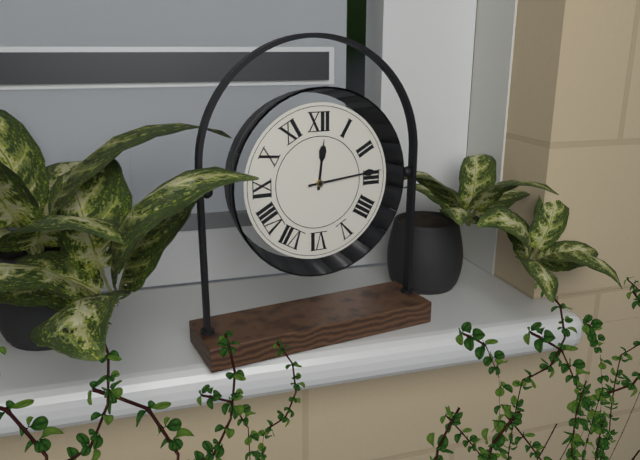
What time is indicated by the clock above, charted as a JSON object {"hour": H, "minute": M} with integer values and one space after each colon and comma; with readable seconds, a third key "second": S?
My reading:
{"hour": 12, "minute": 14}
